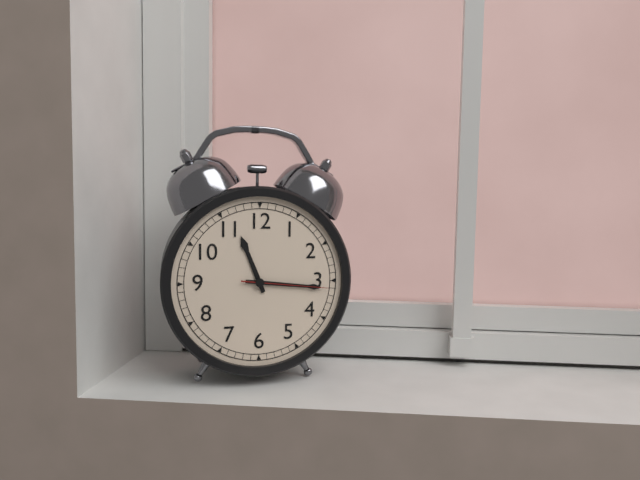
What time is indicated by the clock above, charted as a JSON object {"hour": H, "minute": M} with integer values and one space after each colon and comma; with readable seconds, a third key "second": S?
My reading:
{"hour": 11, "minute": 16, "second": 16}
